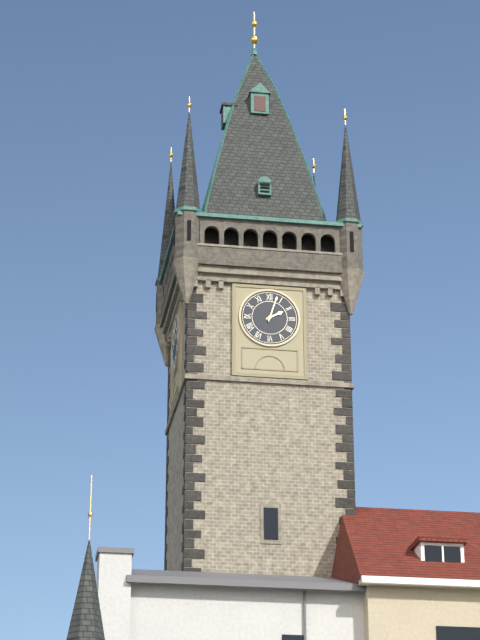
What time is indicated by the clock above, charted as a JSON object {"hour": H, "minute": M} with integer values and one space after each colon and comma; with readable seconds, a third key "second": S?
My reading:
{"hour": 2, "minute": 3}
